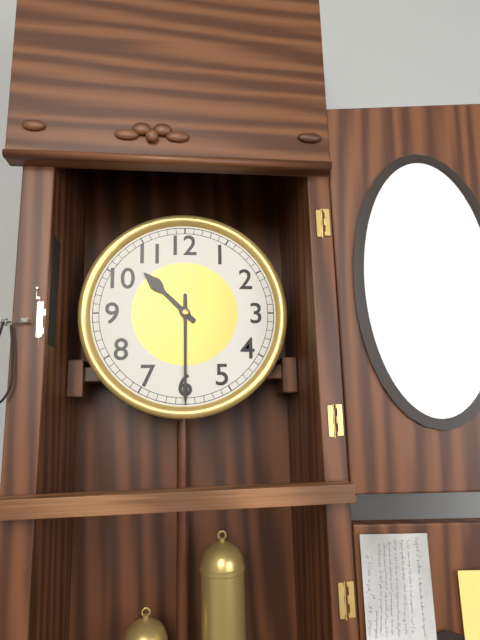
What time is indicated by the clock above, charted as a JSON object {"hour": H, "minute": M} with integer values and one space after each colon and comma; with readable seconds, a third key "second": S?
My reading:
{"hour": 10, "minute": 30}
